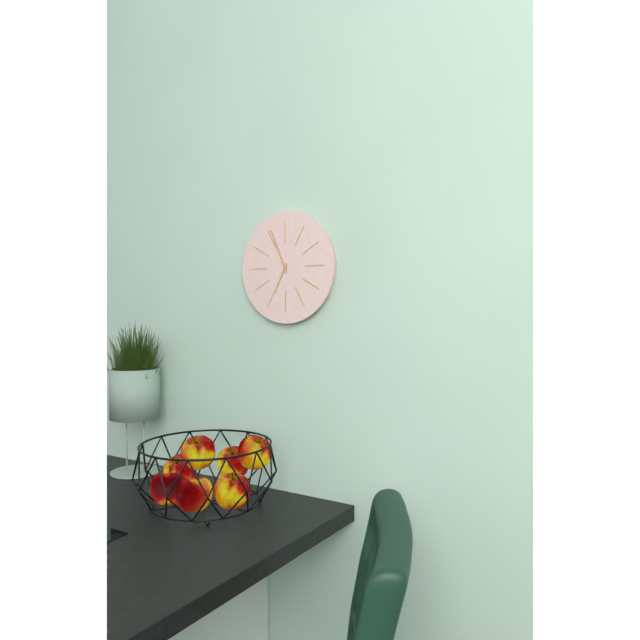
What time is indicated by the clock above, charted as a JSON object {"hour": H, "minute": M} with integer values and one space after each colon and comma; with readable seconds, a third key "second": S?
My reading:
{"hour": 6, "minute": 56}
